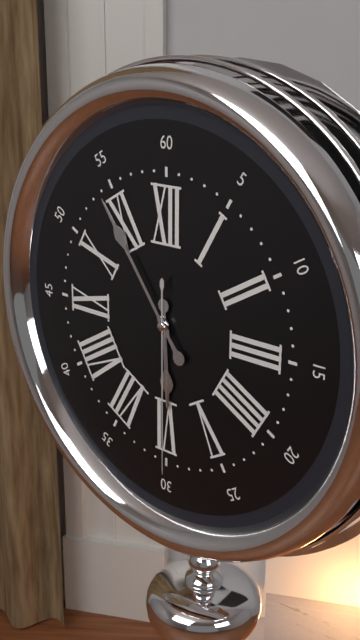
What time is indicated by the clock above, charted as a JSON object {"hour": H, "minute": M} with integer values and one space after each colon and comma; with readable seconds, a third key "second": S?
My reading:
{"hour": 5, "minute": 54, "second": 30}
